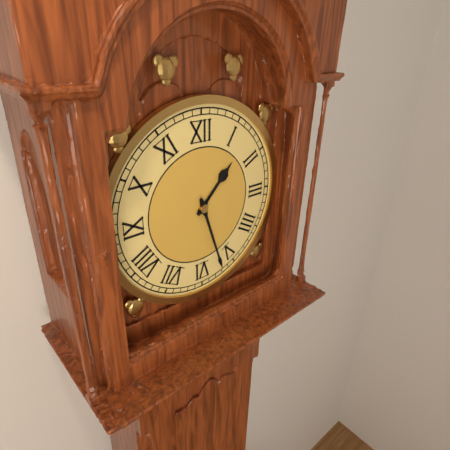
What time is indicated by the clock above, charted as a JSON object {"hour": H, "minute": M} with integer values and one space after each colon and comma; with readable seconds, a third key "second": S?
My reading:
{"hour": 1, "minute": 27}
